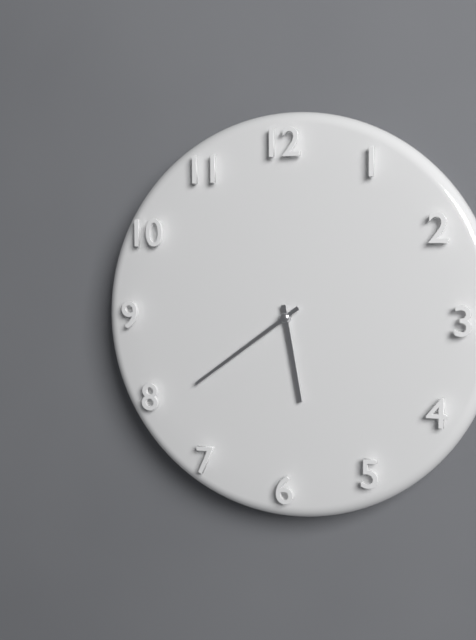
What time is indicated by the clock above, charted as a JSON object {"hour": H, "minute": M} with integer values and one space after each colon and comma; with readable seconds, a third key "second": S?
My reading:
{"hour": 5, "minute": 39}
